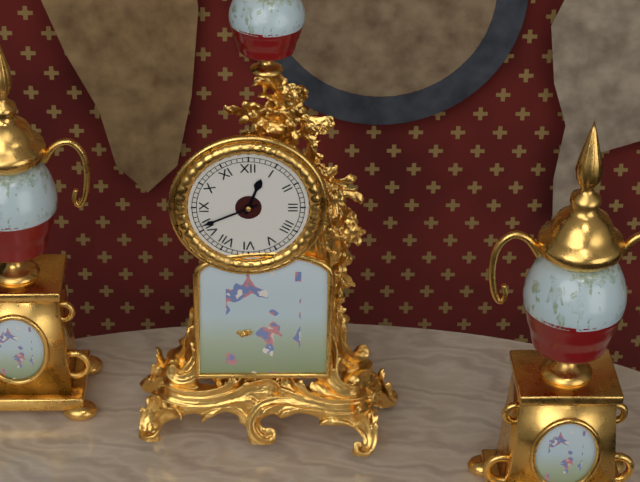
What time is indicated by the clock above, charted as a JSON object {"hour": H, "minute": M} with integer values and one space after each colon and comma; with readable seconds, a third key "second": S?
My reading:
{"hour": 12, "minute": 41}
